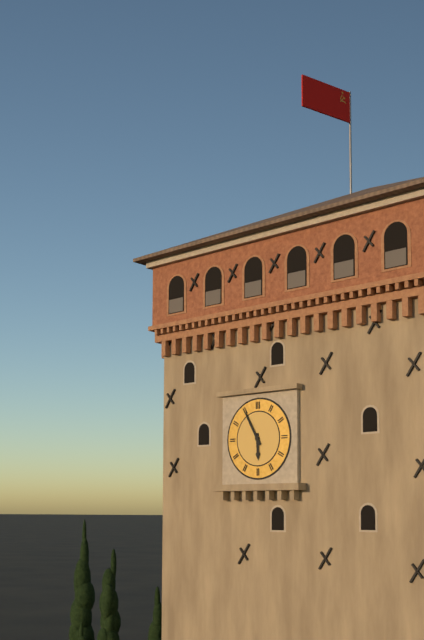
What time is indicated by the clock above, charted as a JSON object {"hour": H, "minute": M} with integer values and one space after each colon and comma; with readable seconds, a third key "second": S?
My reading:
{"hour": 5, "minute": 55}
